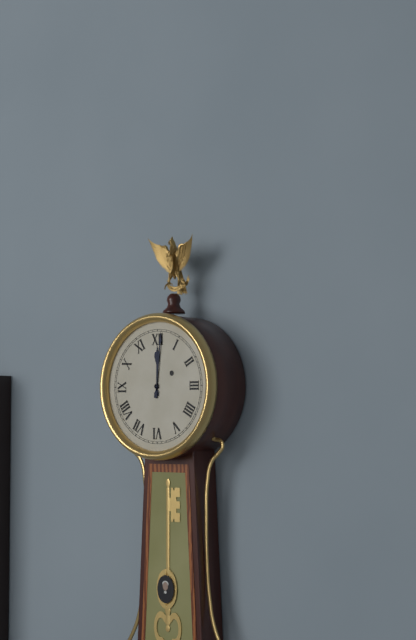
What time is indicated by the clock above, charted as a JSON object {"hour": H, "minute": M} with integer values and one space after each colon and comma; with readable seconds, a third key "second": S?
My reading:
{"hour": 12, "minute": 1}
